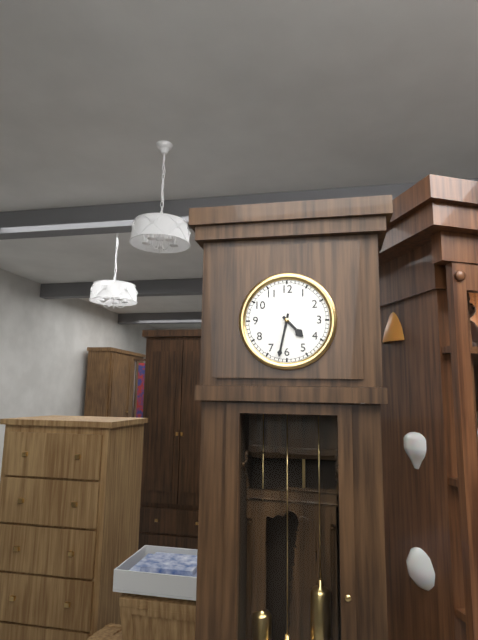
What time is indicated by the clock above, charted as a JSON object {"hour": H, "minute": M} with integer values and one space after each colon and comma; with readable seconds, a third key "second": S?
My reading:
{"hour": 4, "minute": 32}
